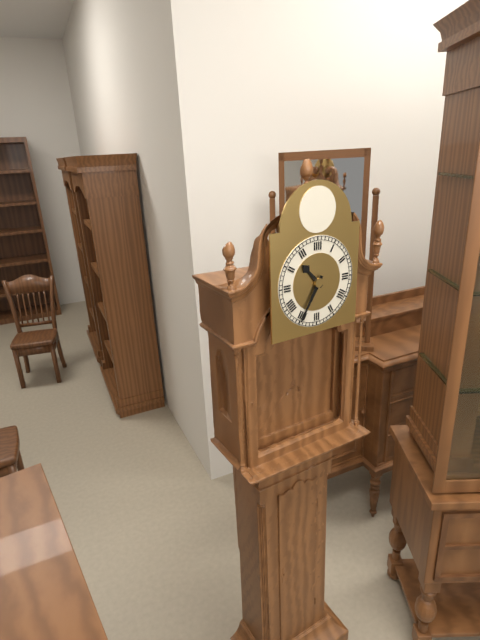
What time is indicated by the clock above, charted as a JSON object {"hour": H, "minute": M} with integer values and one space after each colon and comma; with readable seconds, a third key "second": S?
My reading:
{"hour": 10, "minute": 35}
